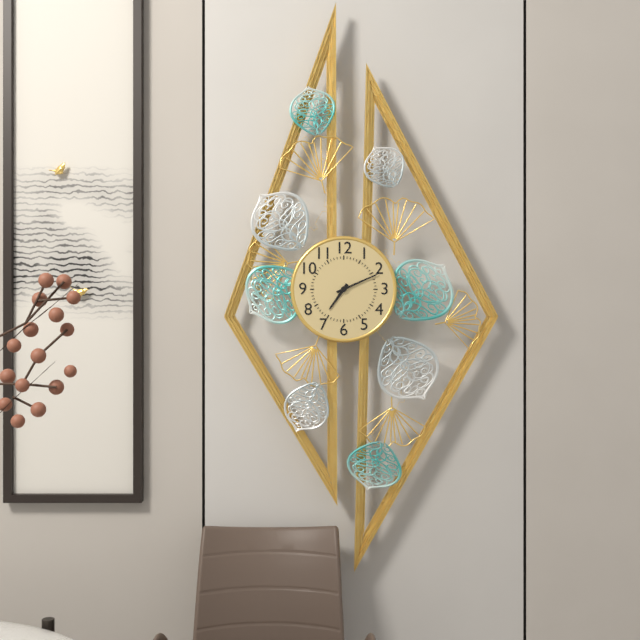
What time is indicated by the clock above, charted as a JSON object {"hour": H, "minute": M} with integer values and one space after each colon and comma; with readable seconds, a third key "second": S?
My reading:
{"hour": 7, "minute": 11}
